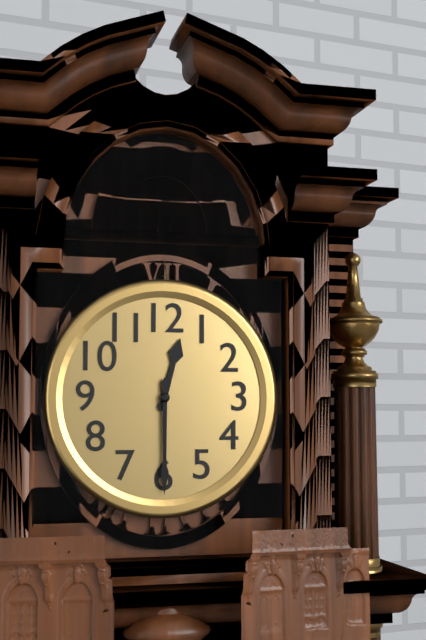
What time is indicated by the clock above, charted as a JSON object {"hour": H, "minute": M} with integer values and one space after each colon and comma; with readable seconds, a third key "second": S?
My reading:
{"hour": 12, "minute": 30}
